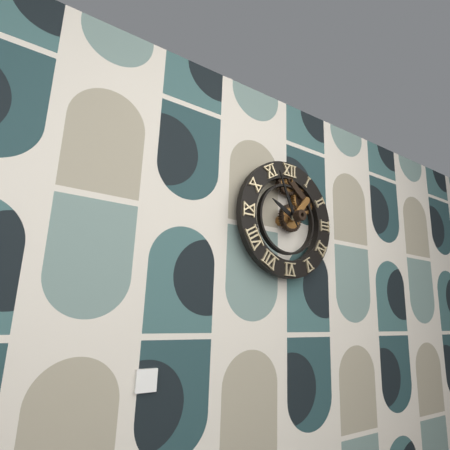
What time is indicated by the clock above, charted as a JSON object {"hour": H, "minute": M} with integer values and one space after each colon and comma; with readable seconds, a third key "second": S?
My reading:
{"hour": 9, "minute": 56}
